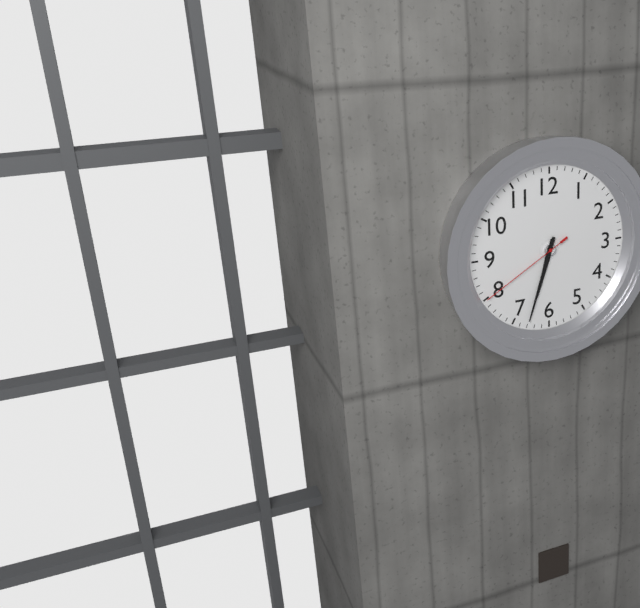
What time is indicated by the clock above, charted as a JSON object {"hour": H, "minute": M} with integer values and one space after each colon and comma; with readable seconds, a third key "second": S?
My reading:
{"hour": 6, "minute": 33, "second": 40}
